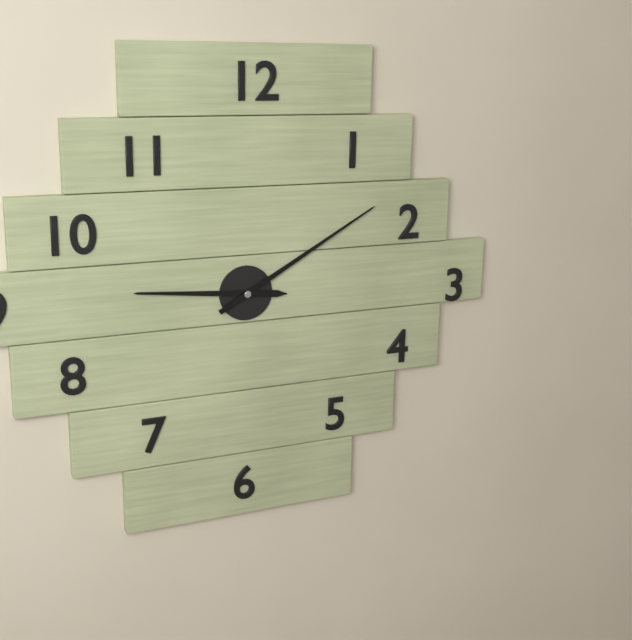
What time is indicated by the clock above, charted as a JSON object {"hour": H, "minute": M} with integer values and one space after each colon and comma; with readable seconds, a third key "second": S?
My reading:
{"hour": 9, "minute": 10}
